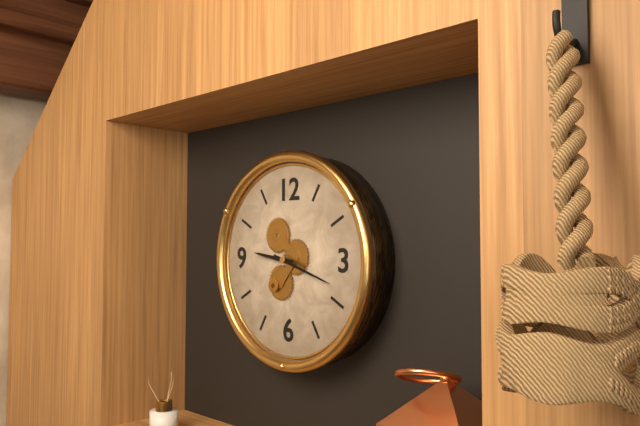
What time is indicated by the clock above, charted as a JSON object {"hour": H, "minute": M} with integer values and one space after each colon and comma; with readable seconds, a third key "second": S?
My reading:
{"hour": 9, "minute": 18}
